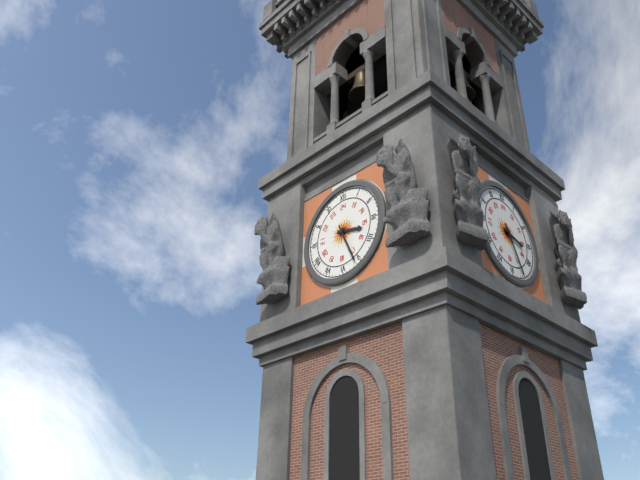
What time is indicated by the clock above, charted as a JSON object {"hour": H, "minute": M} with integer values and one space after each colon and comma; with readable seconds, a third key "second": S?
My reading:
{"hour": 3, "minute": 26}
